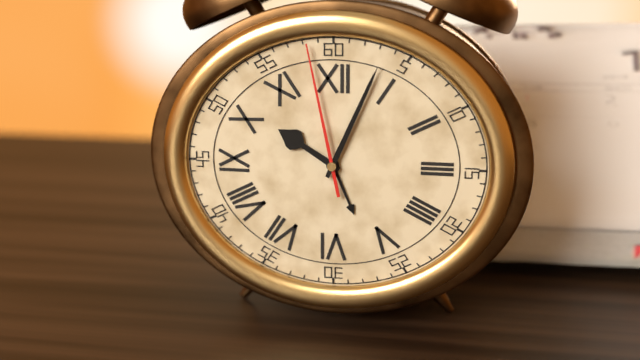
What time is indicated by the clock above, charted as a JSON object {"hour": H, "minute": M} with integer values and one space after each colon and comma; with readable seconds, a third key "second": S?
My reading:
{"hour": 10, "minute": 4, "second": 58}
